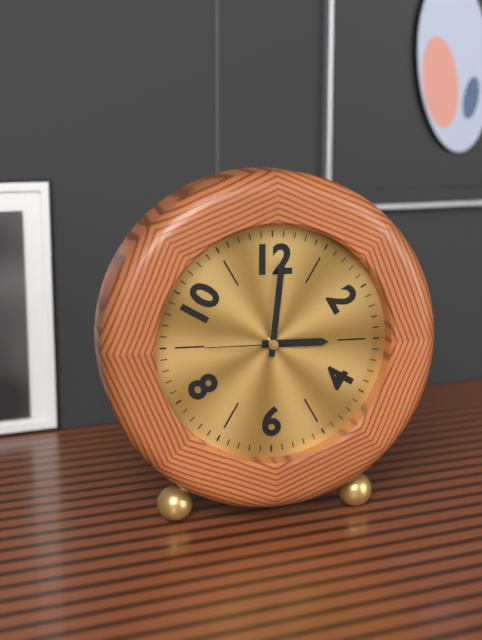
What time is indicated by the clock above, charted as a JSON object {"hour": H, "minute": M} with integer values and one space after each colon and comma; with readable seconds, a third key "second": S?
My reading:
{"hour": 3, "minute": 1, "second": 45}
